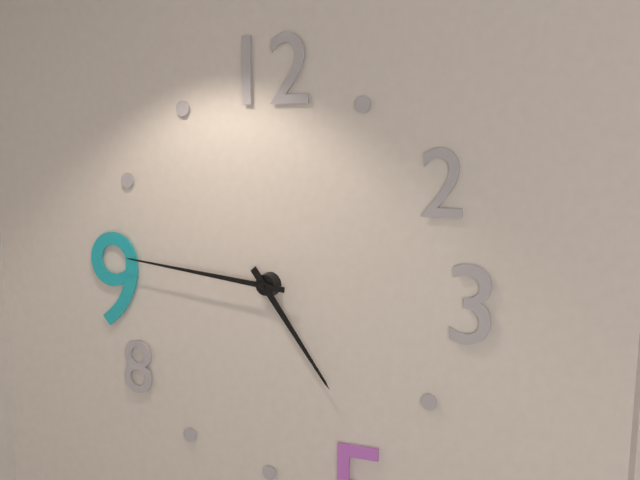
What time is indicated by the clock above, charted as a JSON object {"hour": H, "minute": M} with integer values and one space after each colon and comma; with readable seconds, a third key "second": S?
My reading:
{"hour": 4, "minute": 46}
